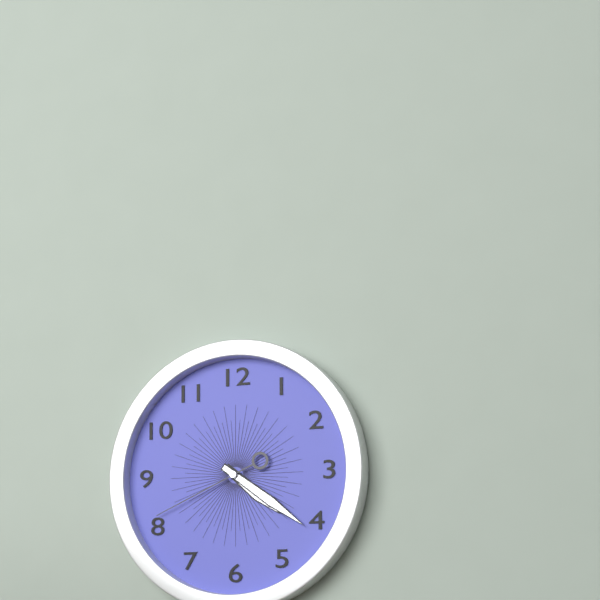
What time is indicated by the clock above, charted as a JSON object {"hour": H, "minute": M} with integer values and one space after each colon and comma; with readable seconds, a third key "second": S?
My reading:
{"hour": 4, "minute": 21, "second": 41}
